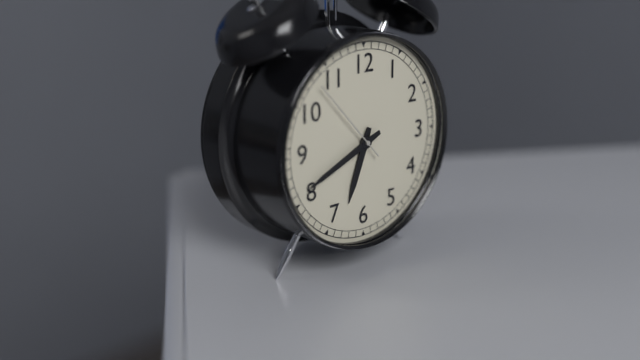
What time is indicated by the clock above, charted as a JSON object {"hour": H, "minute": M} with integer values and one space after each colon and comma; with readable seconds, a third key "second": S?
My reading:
{"hour": 6, "minute": 41, "second": 53}
